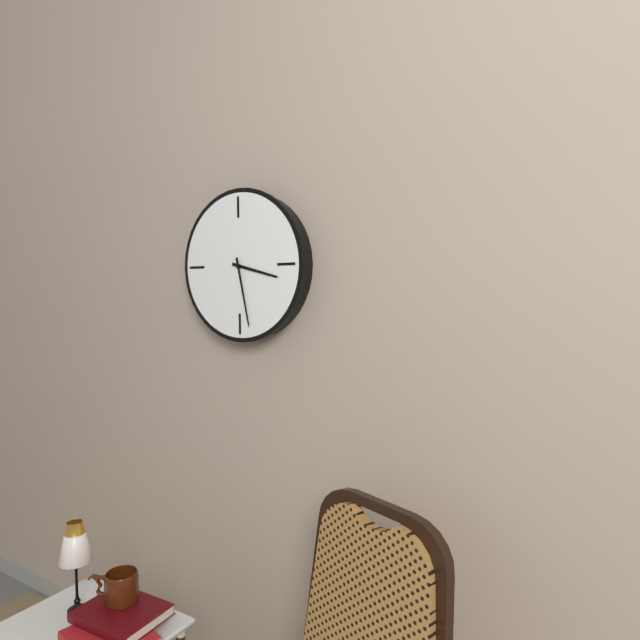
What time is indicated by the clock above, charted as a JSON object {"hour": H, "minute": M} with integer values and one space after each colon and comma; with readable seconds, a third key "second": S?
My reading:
{"hour": 3, "minute": 28}
